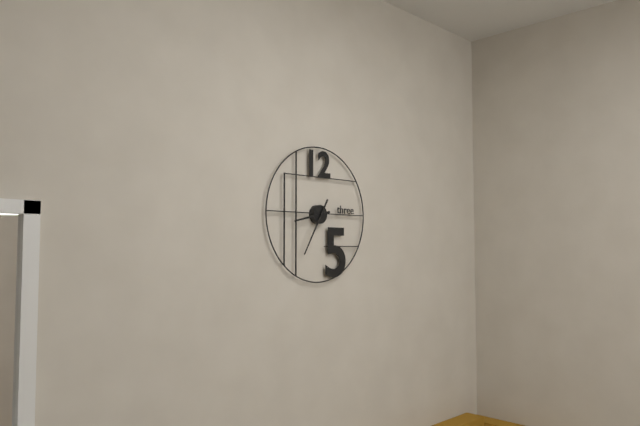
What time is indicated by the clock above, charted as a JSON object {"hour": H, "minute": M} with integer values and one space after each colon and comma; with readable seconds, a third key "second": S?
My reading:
{"hour": 8, "minute": 35}
